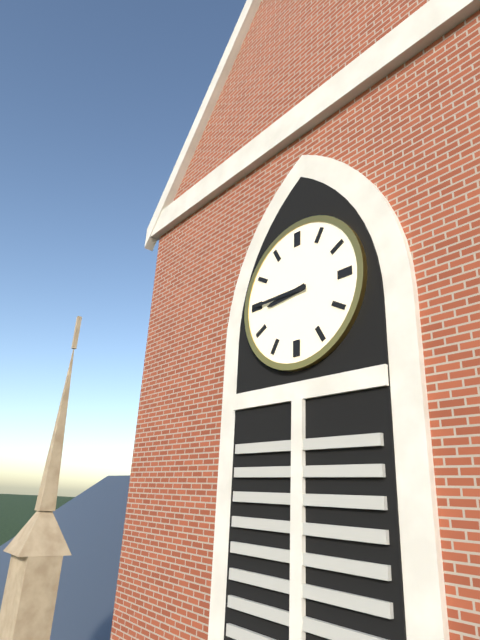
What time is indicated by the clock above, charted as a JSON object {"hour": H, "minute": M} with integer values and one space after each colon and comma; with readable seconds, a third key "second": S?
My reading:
{"hour": 8, "minute": 45}
